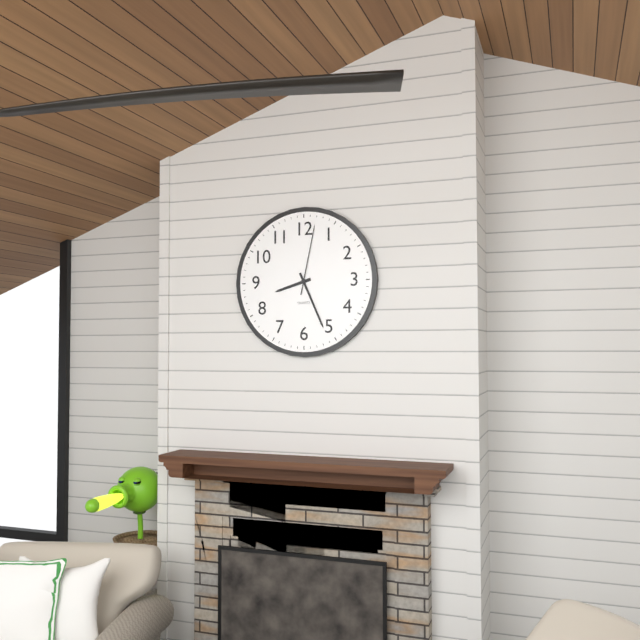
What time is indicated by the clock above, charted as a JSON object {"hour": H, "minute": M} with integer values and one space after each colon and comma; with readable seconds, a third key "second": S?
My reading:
{"hour": 8, "minute": 26, "second": 2}
